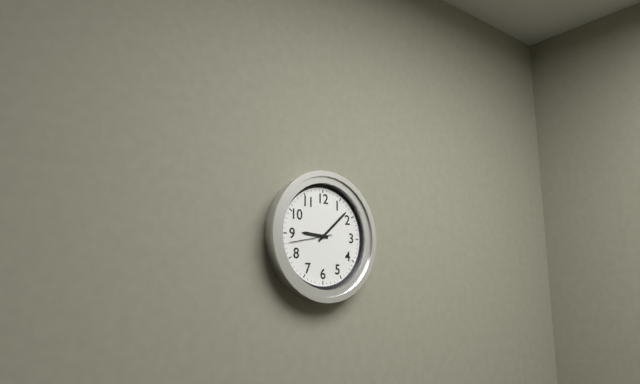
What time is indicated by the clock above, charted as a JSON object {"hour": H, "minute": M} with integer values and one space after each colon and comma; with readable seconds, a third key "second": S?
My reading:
{"hour": 9, "minute": 8}
